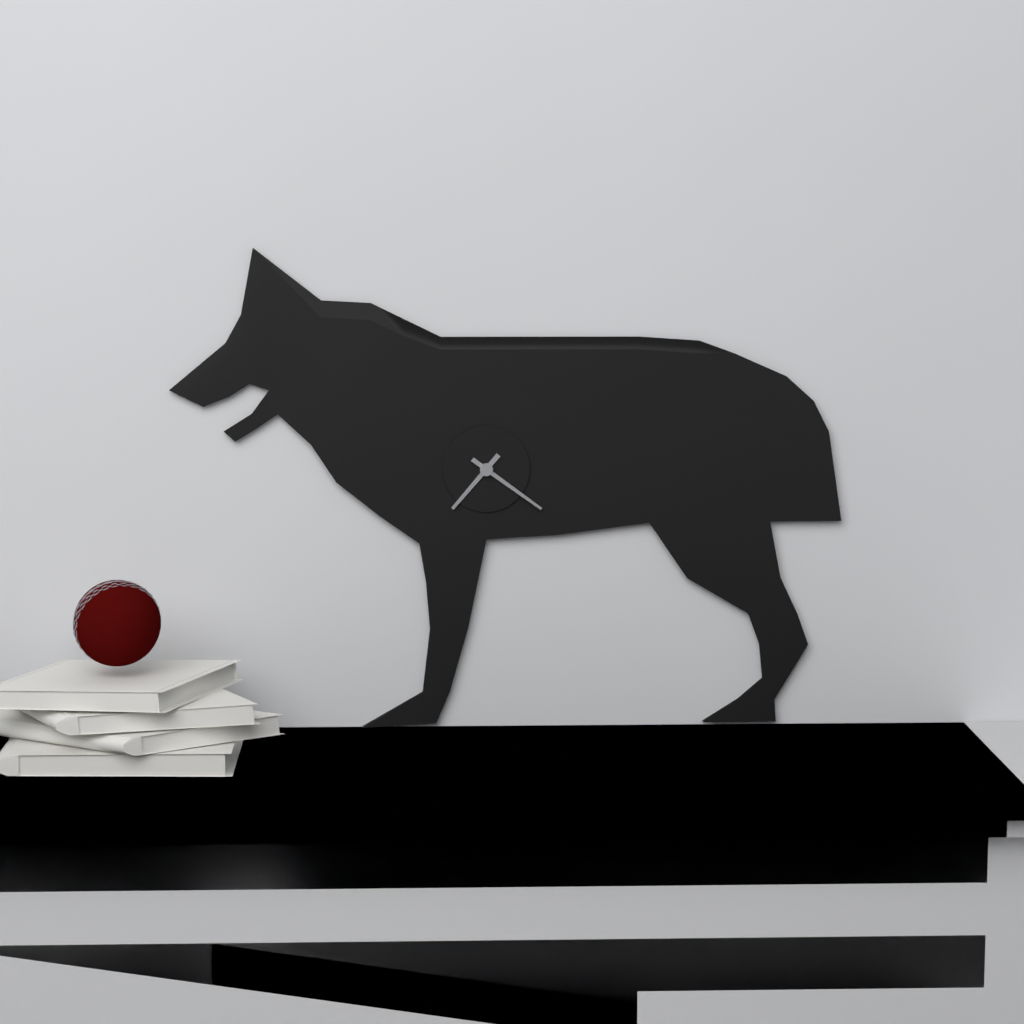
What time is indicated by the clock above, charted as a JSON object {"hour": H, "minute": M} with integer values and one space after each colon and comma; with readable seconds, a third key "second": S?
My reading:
{"hour": 7, "minute": 21}
